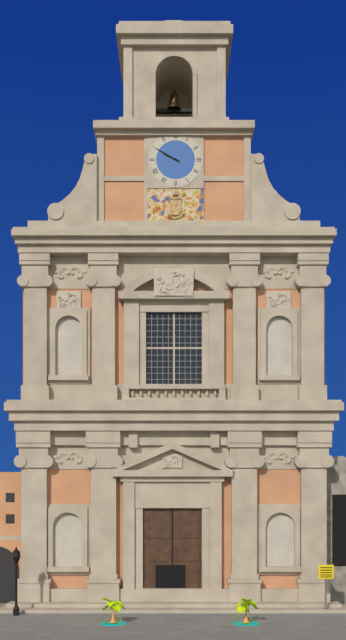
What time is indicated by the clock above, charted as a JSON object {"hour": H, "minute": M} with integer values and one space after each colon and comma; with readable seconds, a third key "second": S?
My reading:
{"hour": 9, "minute": 50}
